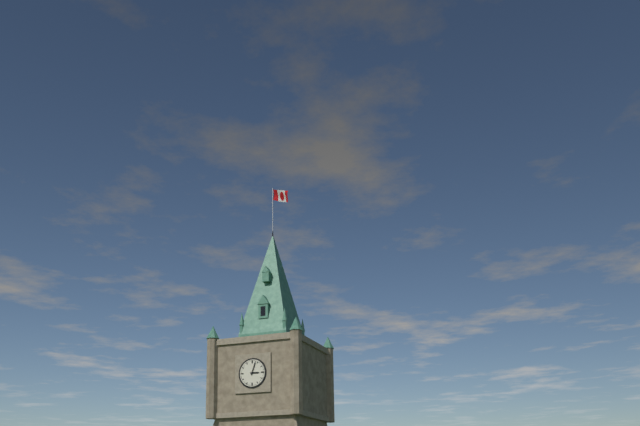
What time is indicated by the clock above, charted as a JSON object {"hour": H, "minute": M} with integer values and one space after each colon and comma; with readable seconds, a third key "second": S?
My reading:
{"hour": 3, "minute": 3}
